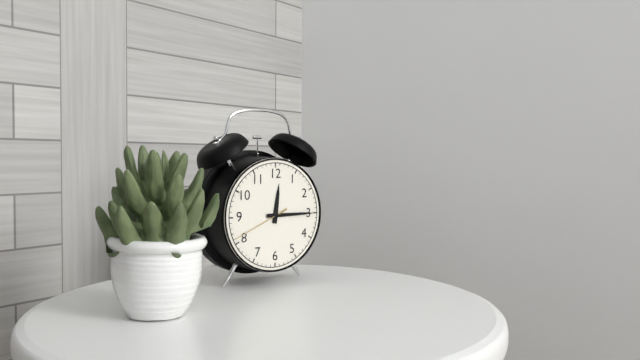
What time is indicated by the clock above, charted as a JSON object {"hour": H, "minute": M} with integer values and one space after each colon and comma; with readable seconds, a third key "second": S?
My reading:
{"hour": 12, "minute": 15, "second": 41}
